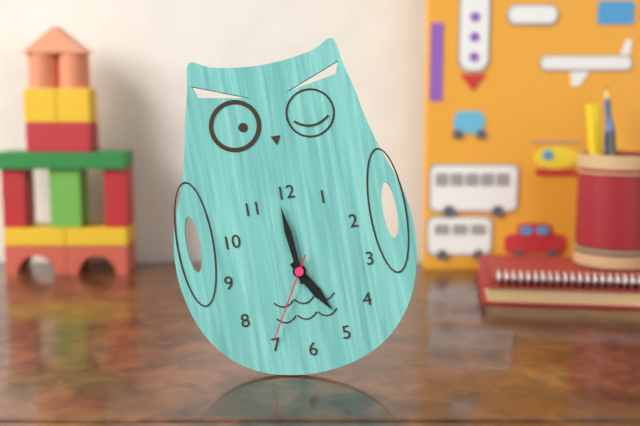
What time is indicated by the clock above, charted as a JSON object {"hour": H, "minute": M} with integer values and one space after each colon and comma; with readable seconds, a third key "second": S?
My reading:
{"hour": 4, "minute": 59, "second": 35}
